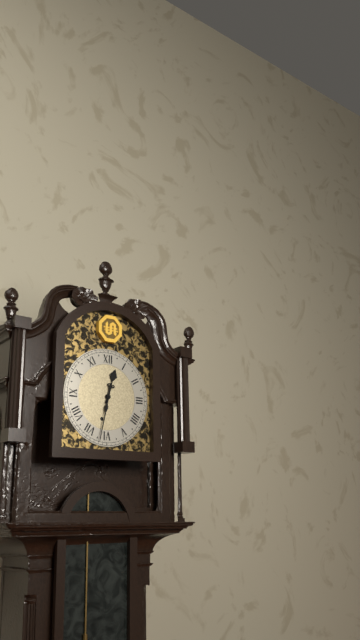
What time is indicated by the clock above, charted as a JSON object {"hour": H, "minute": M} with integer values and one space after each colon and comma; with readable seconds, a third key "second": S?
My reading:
{"hour": 12, "minute": 32}
